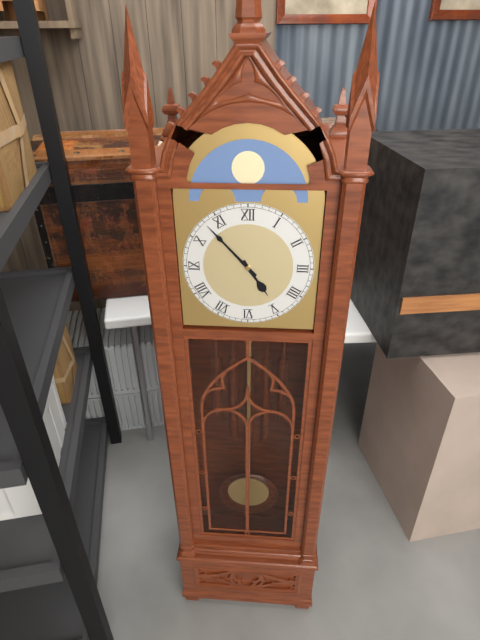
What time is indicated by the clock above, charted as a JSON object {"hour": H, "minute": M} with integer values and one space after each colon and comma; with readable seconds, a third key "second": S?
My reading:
{"hour": 4, "minute": 53}
